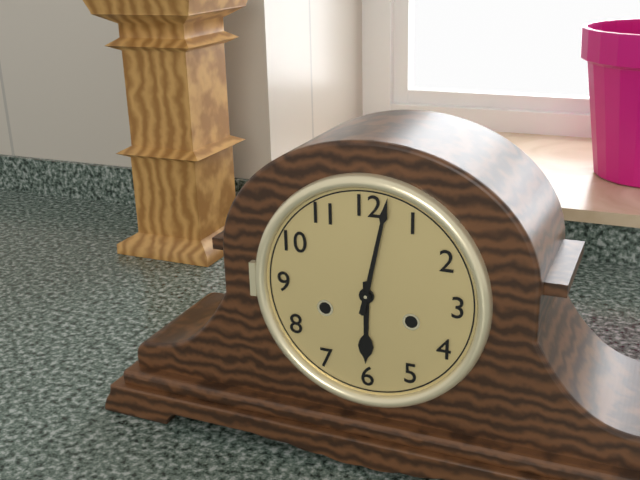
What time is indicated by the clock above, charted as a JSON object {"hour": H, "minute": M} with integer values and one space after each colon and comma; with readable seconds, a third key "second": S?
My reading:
{"hour": 6, "minute": 2}
